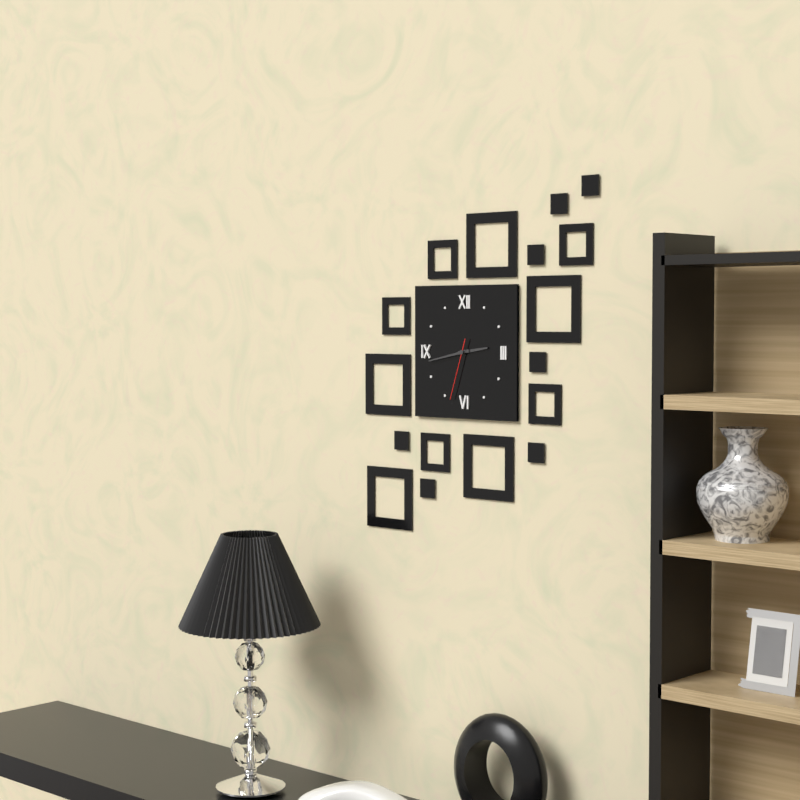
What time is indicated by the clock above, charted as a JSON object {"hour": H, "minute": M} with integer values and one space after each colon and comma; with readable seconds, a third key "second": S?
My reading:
{"hour": 2, "minute": 43, "second": 33}
